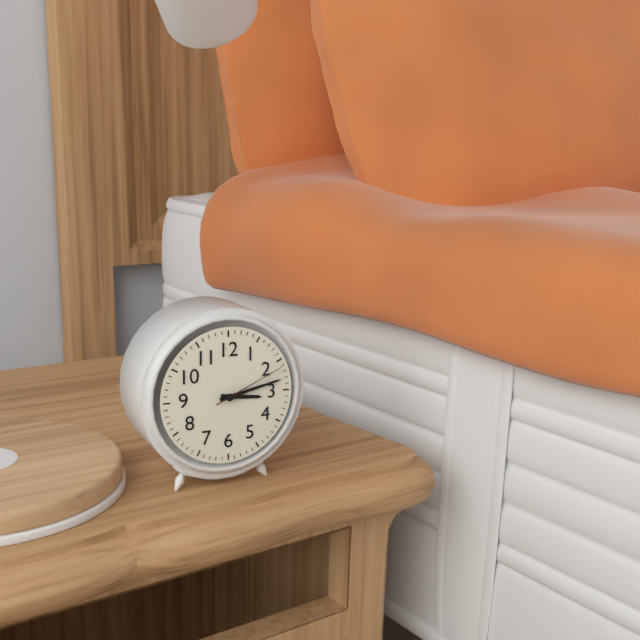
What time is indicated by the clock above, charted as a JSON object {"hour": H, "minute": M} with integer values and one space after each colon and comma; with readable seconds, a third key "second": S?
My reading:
{"hour": 3, "minute": 13, "second": 11}
